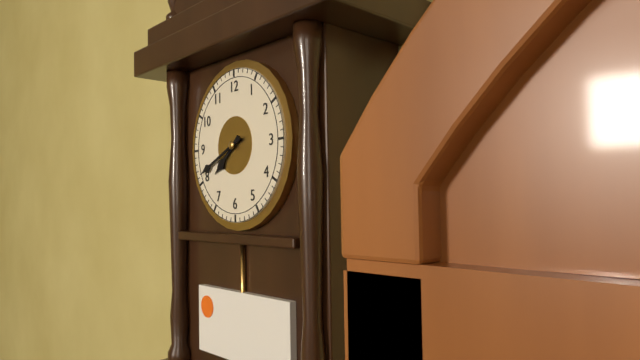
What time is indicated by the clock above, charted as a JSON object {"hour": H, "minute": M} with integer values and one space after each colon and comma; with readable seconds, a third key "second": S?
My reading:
{"hour": 7, "minute": 41}
